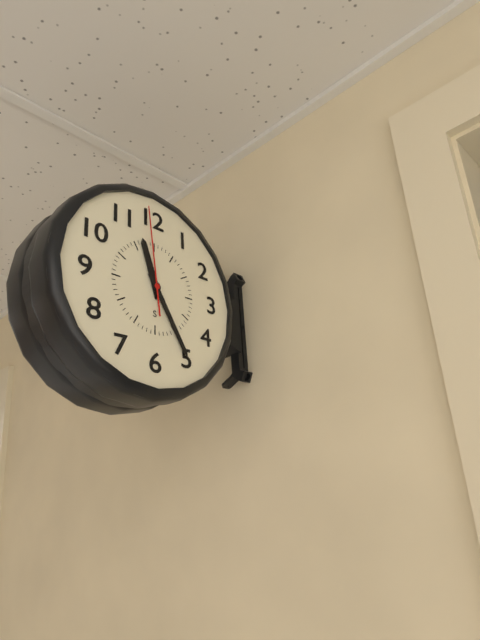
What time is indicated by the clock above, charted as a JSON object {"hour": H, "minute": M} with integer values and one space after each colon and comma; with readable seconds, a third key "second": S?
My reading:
{"hour": 11, "minute": 25, "second": 59}
